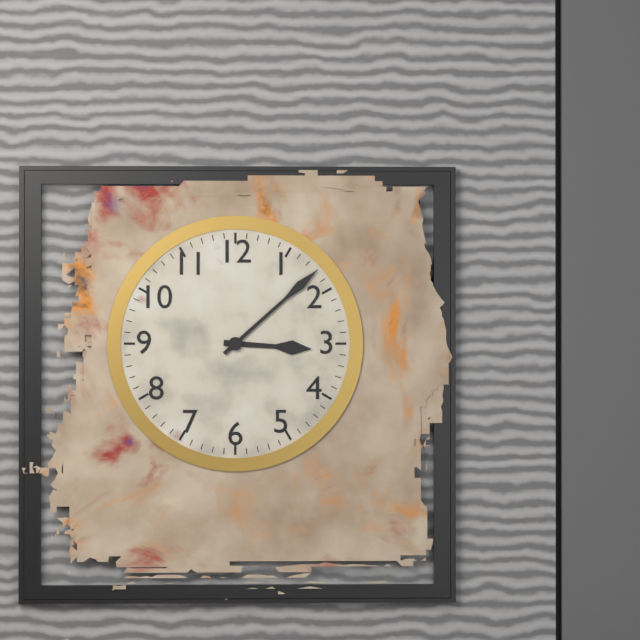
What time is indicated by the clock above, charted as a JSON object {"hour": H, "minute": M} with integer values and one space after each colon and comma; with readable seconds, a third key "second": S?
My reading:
{"hour": 3, "minute": 8}
